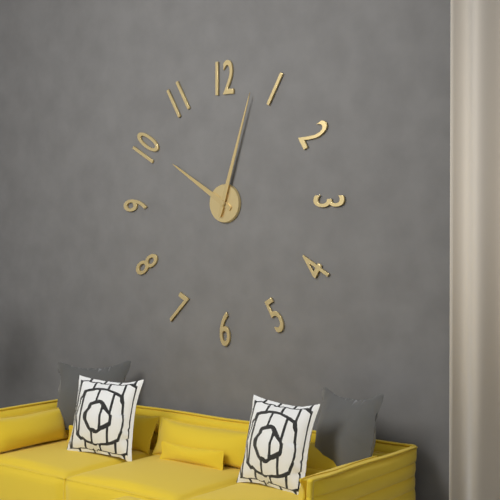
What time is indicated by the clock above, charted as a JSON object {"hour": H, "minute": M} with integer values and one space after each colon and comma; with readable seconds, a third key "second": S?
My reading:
{"hour": 10, "minute": 3}
